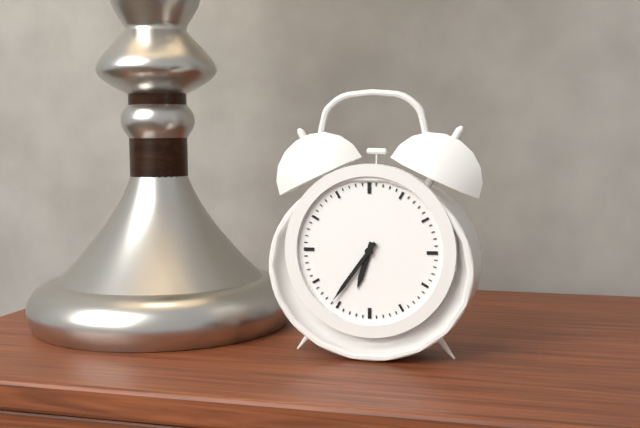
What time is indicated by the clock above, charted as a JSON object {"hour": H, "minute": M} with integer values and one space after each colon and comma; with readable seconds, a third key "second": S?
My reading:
{"hour": 6, "minute": 36}
